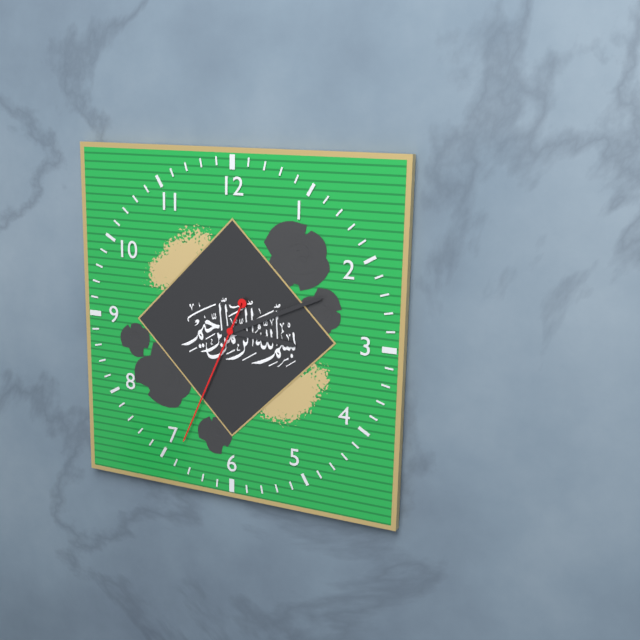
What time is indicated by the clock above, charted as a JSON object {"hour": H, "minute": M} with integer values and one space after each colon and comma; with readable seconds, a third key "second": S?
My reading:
{"hour": 3, "minute": 11, "second": 34}
